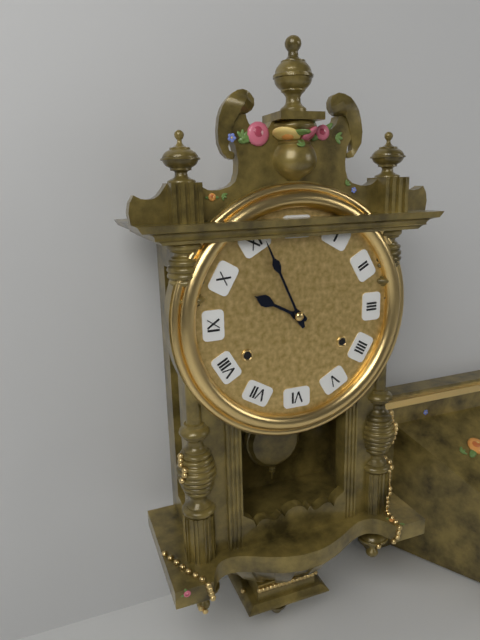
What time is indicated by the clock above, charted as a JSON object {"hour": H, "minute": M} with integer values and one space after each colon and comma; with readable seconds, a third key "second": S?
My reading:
{"hour": 9, "minute": 56}
